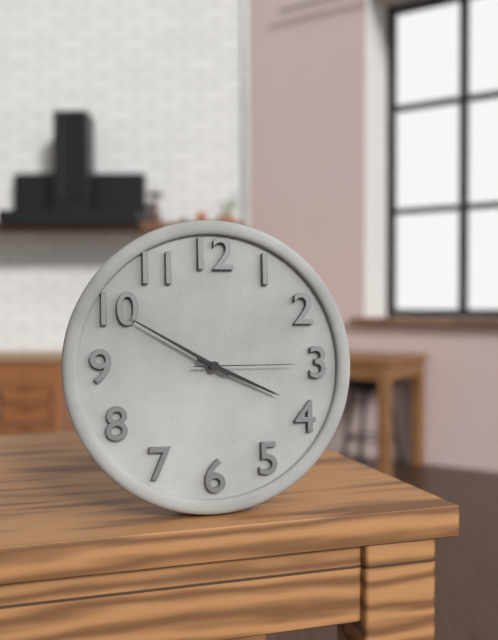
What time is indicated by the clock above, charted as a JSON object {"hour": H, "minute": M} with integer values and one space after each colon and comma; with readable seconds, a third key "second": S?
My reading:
{"hour": 3, "minute": 50, "second": 15}
